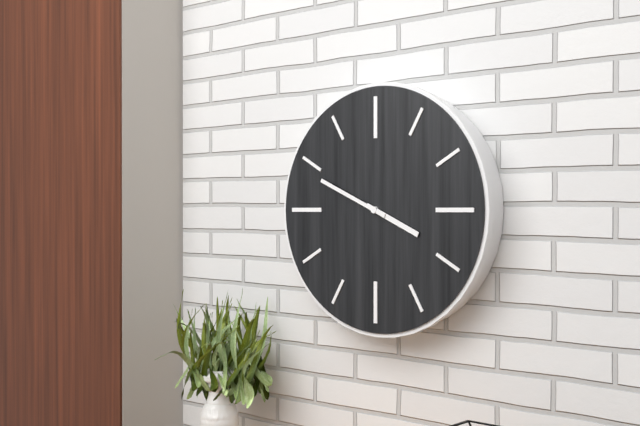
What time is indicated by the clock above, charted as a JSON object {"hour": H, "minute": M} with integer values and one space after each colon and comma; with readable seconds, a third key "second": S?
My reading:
{"hour": 3, "minute": 49}
